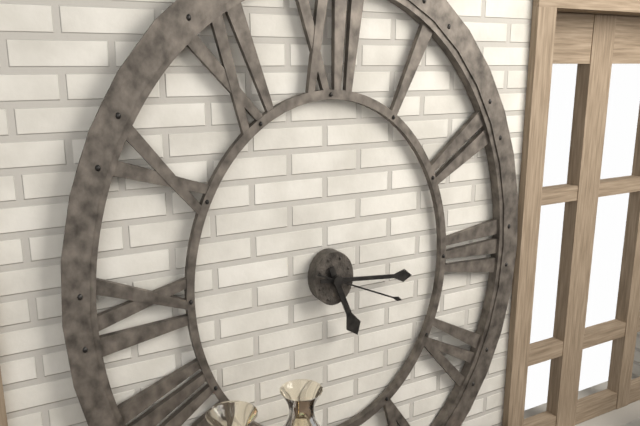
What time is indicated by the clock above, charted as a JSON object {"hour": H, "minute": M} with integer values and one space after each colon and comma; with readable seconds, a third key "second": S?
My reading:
{"hour": 5, "minute": 16, "second": 19}
